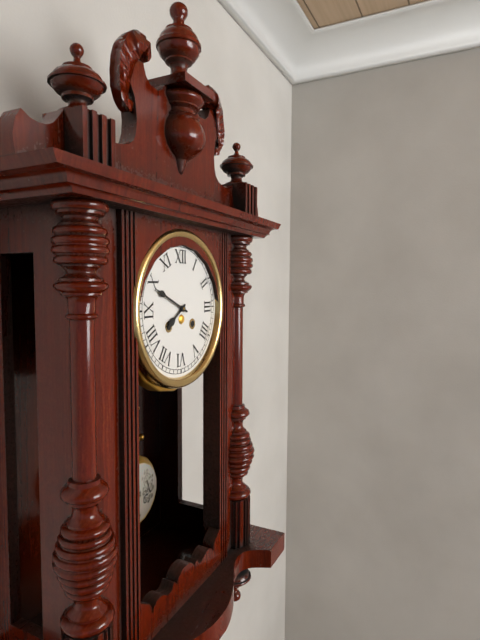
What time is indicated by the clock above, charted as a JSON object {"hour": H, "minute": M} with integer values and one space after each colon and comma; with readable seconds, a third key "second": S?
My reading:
{"hour": 7, "minute": 49}
